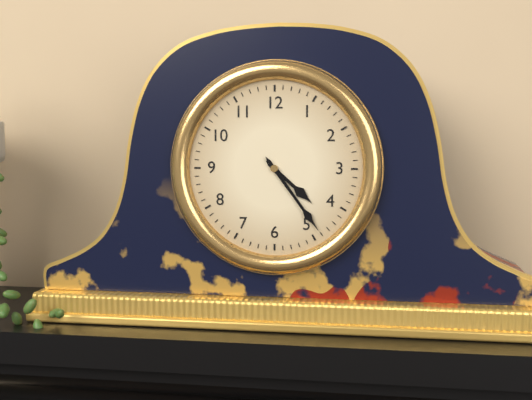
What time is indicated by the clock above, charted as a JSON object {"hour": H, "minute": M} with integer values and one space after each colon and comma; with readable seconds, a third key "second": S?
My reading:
{"hour": 4, "minute": 24}
